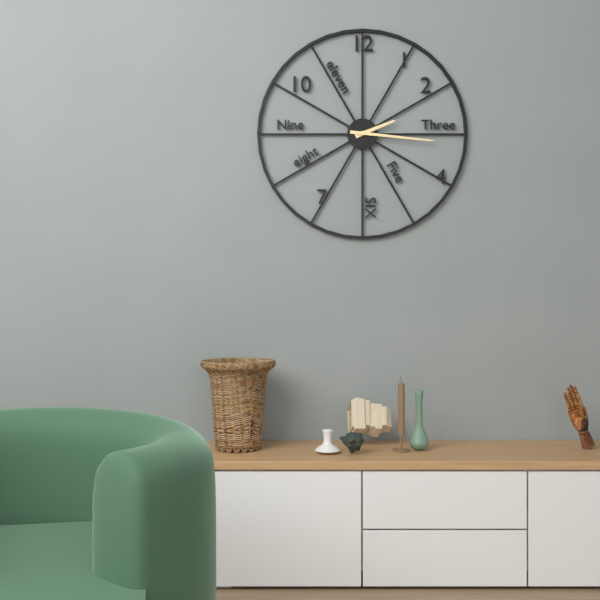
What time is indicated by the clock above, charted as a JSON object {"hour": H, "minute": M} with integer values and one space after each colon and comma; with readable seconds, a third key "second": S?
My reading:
{"hour": 2, "minute": 16}
